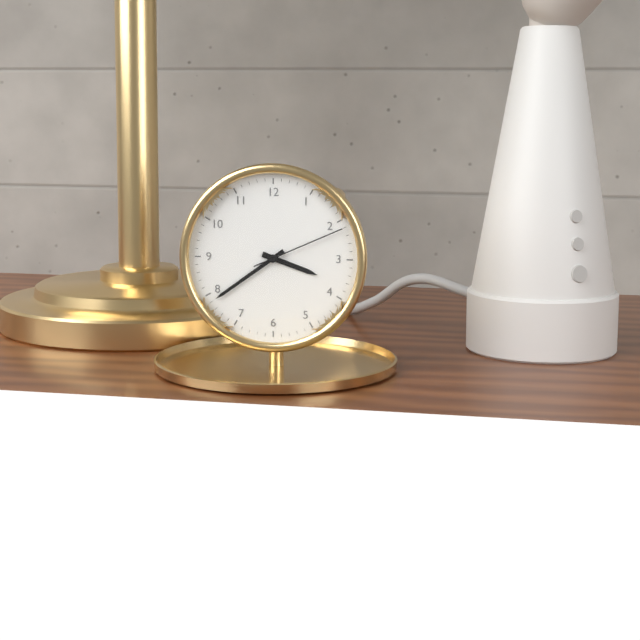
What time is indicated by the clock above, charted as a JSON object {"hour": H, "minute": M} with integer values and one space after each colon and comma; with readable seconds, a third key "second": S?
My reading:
{"hour": 3, "minute": 39, "second": 11}
